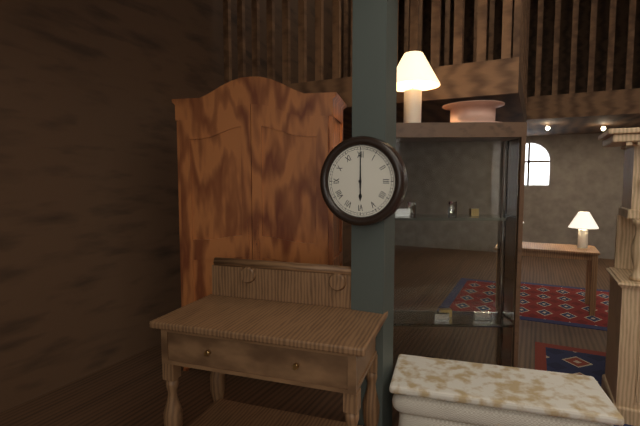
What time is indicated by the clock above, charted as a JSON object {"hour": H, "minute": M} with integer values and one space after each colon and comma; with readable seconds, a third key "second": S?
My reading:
{"hour": 6, "minute": 0}
